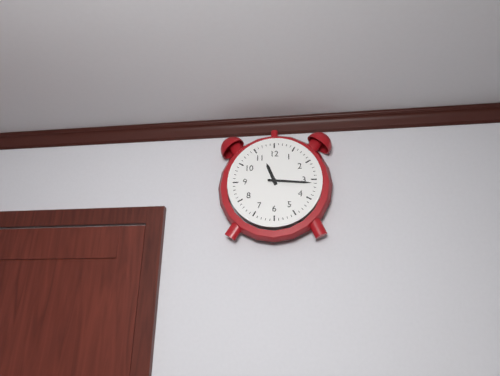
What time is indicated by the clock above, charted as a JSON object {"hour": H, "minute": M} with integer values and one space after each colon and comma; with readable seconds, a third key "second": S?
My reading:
{"hour": 11, "minute": 16}
